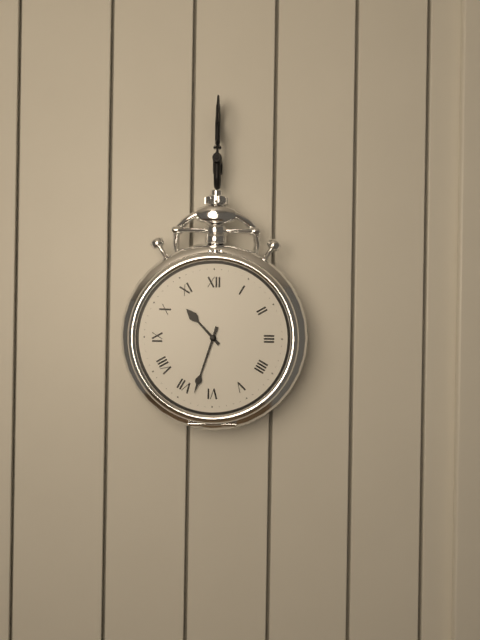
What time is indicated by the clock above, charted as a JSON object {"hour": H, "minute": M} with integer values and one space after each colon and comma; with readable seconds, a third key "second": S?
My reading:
{"hour": 10, "minute": 33}
